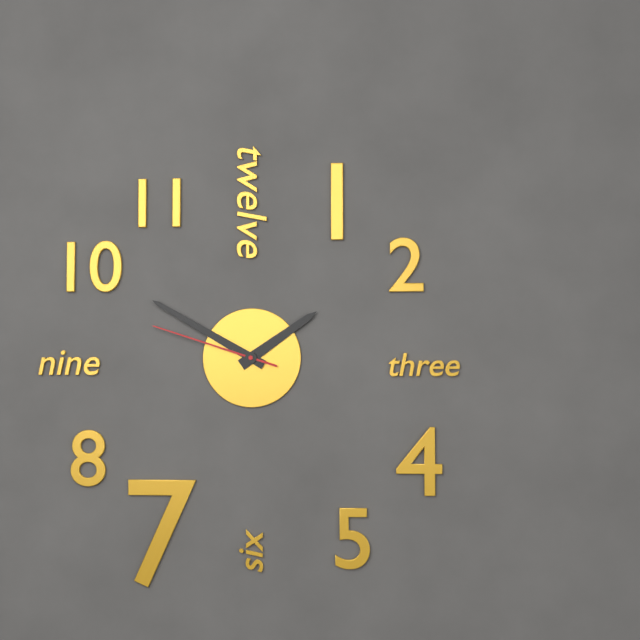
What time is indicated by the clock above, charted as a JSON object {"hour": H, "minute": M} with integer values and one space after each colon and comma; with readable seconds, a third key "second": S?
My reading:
{"hour": 1, "minute": 50, "second": 48}
